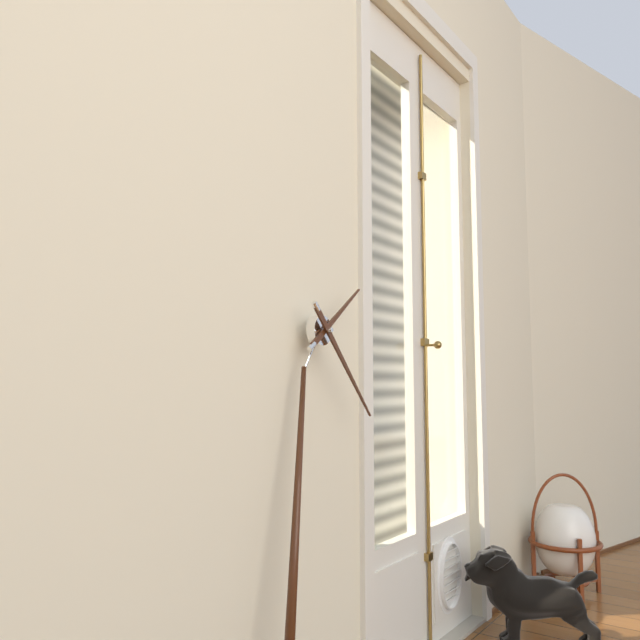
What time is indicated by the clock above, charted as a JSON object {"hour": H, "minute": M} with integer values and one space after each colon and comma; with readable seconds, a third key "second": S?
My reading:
{"hour": 1, "minute": 21}
